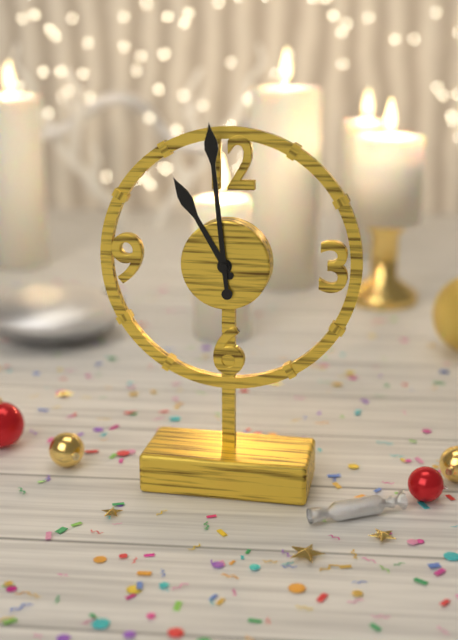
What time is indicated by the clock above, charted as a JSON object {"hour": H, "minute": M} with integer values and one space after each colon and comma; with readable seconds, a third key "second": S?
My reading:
{"hour": 10, "minute": 59}
